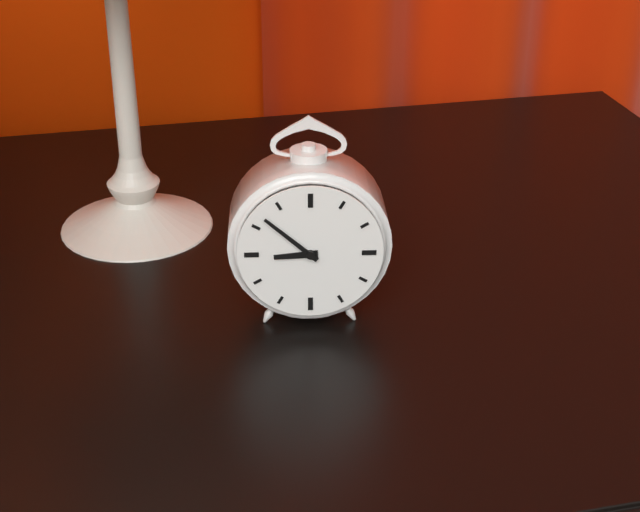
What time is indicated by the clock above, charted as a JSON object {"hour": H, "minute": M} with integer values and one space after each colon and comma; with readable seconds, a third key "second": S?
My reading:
{"hour": 8, "minute": 52}
